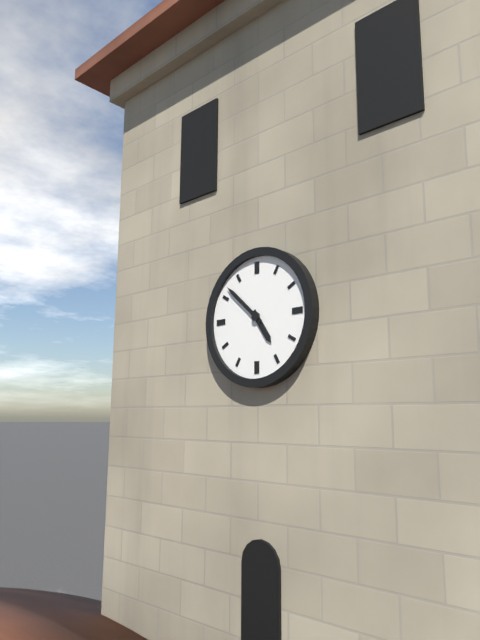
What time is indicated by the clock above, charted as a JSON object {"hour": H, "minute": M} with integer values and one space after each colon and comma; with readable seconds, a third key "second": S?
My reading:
{"hour": 4, "minute": 52}
